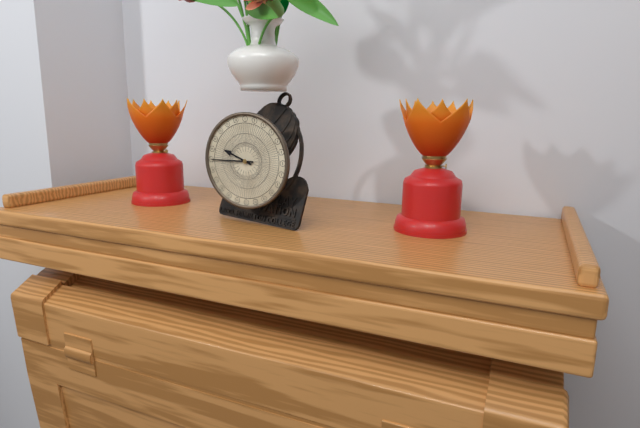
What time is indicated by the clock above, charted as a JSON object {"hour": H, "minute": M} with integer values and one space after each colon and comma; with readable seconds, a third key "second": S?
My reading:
{"hour": 9, "minute": 45}
